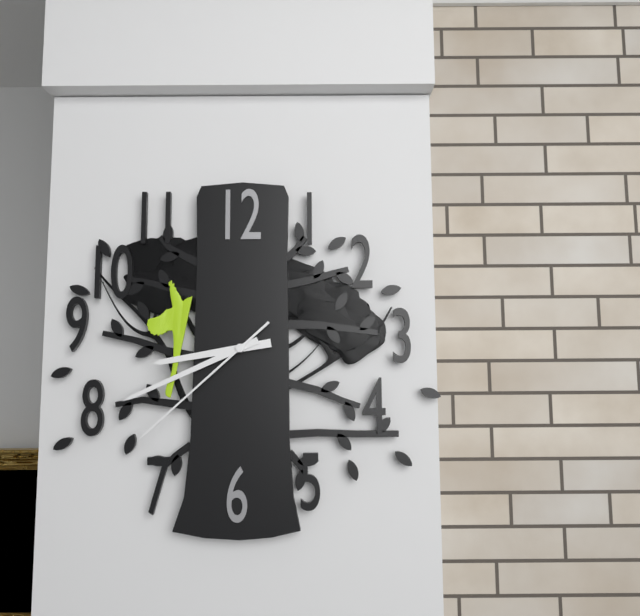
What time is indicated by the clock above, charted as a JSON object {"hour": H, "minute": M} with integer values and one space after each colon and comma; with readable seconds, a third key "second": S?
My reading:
{"hour": 8, "minute": 41, "second": 38}
